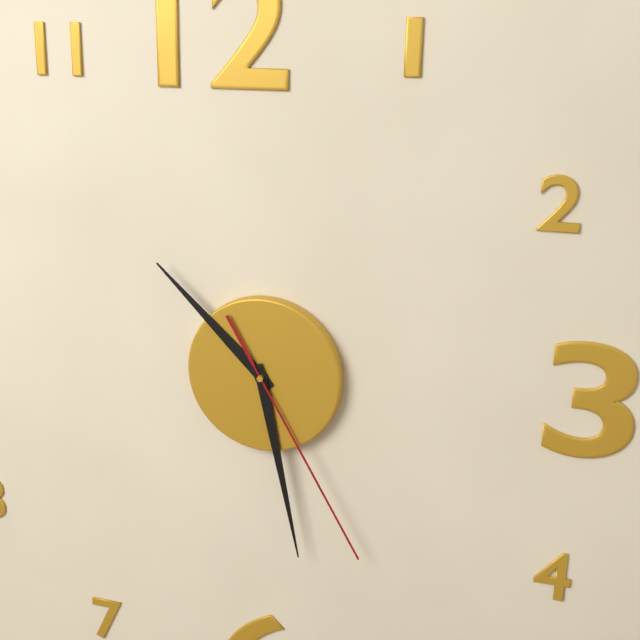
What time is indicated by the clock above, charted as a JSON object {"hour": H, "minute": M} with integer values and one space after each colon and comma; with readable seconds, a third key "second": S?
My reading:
{"hour": 10, "minute": 28, "second": 25}
